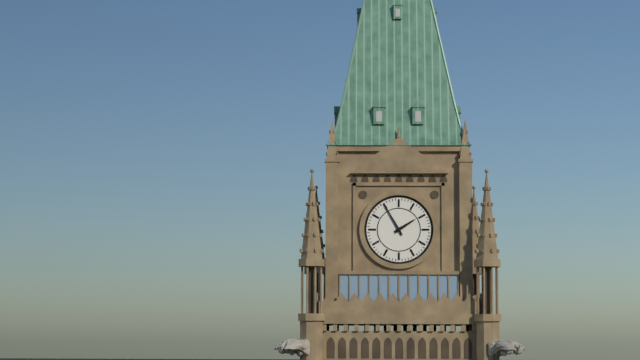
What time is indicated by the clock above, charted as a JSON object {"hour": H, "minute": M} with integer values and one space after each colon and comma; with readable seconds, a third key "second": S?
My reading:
{"hour": 1, "minute": 55}
